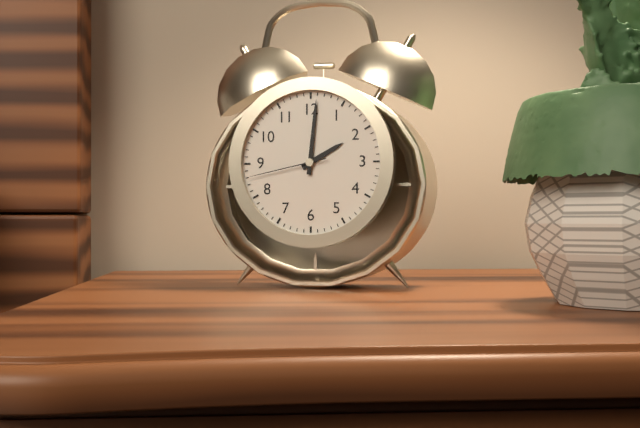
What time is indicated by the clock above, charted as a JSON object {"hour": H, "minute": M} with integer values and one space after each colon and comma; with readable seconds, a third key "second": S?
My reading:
{"hour": 2, "minute": 1, "second": 43}
